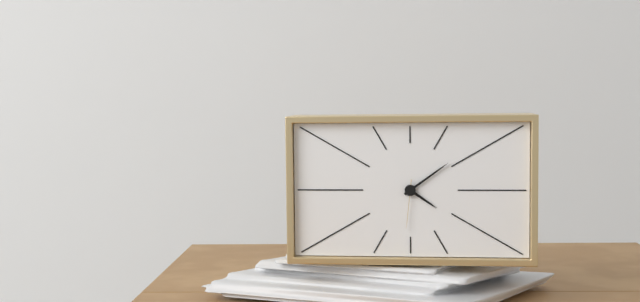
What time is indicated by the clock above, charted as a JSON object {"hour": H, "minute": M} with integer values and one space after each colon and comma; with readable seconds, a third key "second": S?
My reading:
{"hour": 4, "minute": 9}
